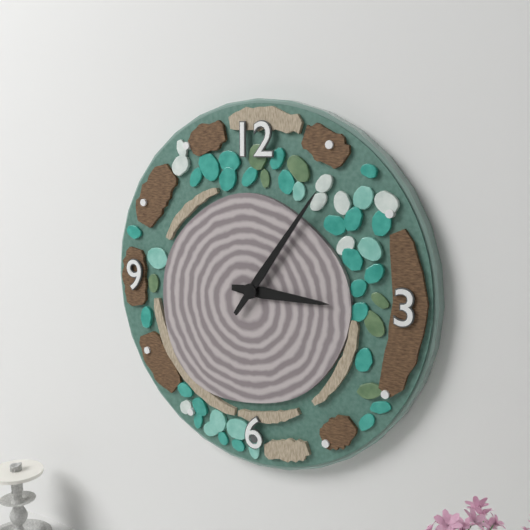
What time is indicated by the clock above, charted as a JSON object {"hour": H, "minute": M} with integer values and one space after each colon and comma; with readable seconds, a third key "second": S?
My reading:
{"hour": 3, "minute": 6}
